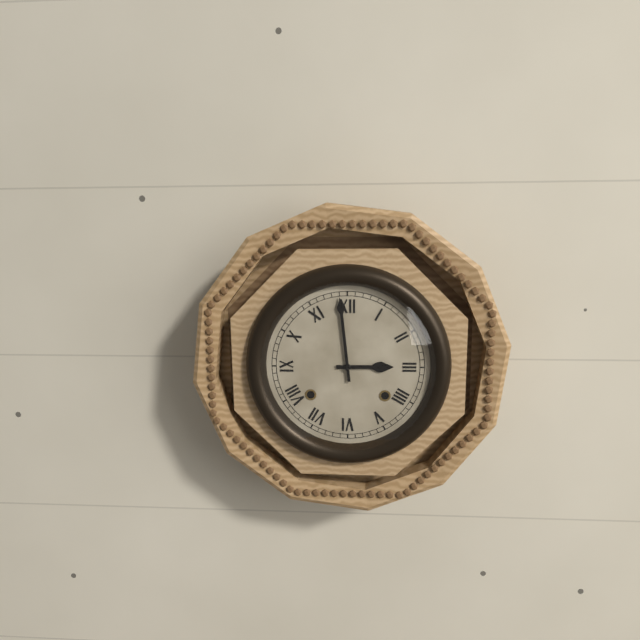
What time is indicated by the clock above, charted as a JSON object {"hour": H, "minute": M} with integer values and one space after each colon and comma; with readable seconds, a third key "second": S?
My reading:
{"hour": 2, "minute": 59}
